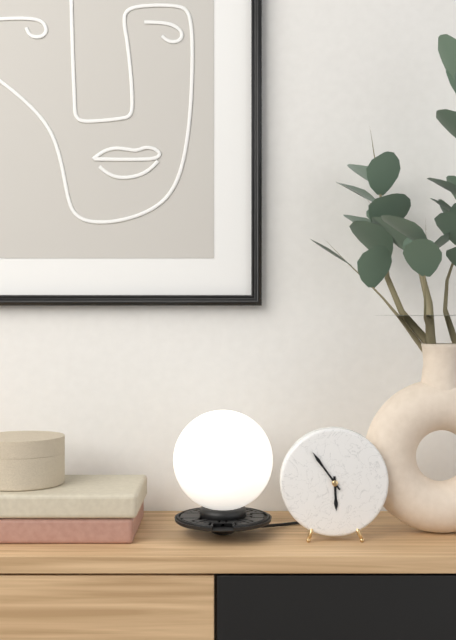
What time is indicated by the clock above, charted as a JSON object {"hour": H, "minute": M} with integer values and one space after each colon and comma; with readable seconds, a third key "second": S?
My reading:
{"hour": 5, "minute": 54}
